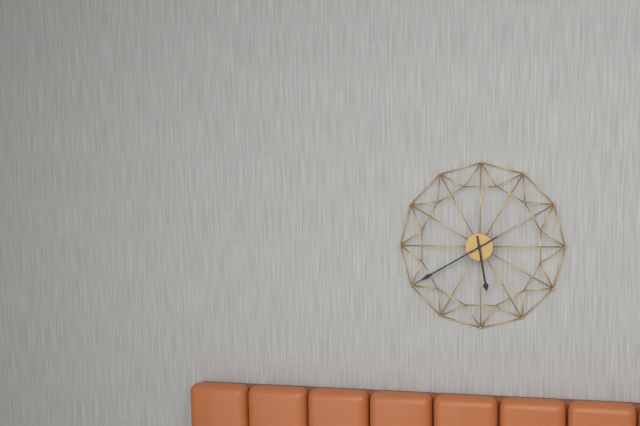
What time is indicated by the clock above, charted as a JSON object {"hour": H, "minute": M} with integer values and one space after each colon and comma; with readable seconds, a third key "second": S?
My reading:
{"hour": 5, "minute": 40}
